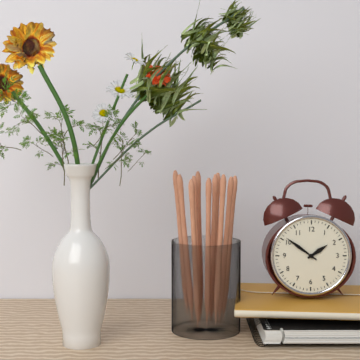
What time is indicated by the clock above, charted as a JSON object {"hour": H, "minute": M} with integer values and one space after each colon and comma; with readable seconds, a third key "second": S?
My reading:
{"hour": 1, "minute": 51}
